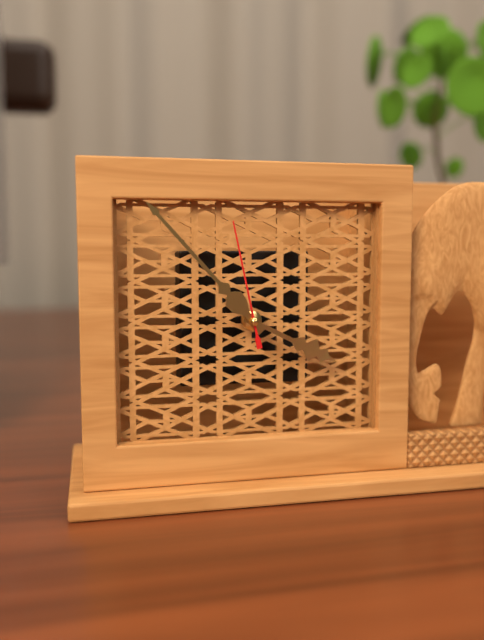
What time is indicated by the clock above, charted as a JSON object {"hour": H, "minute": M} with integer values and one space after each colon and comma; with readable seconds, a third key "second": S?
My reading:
{"hour": 3, "minute": 53, "second": 58}
